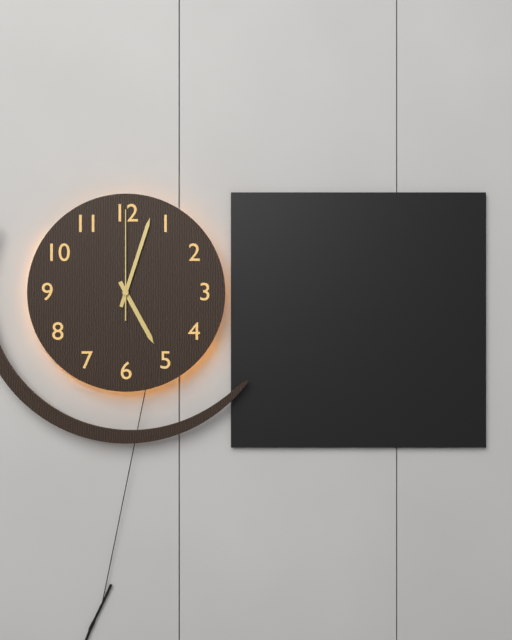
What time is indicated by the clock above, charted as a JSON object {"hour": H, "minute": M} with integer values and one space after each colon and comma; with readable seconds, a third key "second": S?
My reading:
{"hour": 5, "minute": 3, "second": 0}
